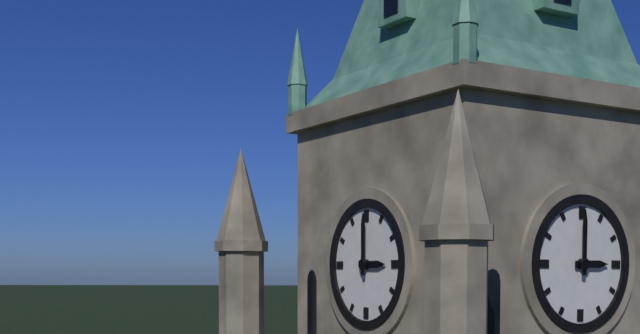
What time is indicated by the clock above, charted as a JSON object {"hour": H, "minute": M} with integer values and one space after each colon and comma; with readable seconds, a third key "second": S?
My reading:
{"hour": 3, "minute": 0}
